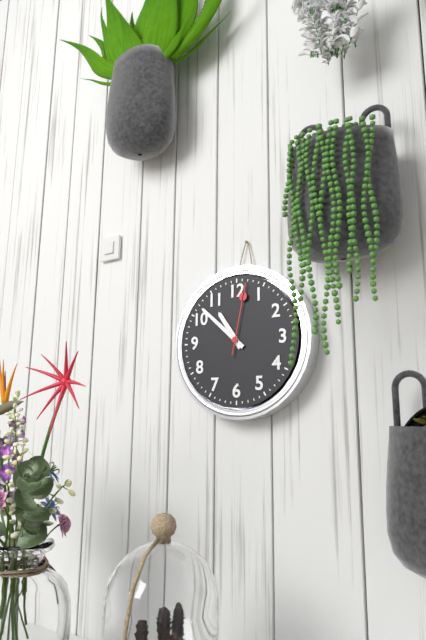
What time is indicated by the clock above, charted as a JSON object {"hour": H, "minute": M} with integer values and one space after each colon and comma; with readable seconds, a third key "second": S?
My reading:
{"hour": 10, "minute": 52, "second": 2}
